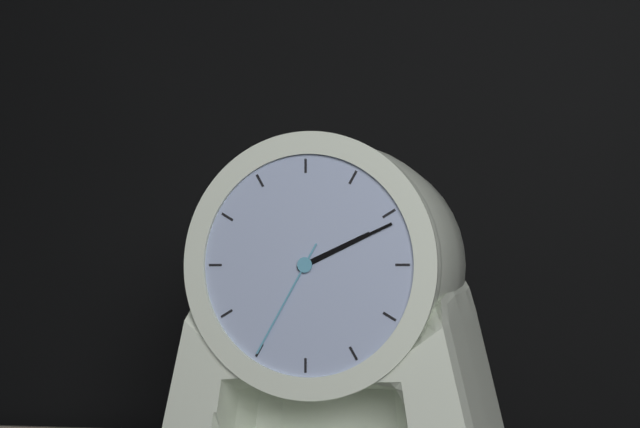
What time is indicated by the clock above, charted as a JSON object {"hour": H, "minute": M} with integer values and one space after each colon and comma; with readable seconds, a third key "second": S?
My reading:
{"hour": 2, "minute": 11, "second": 35}
